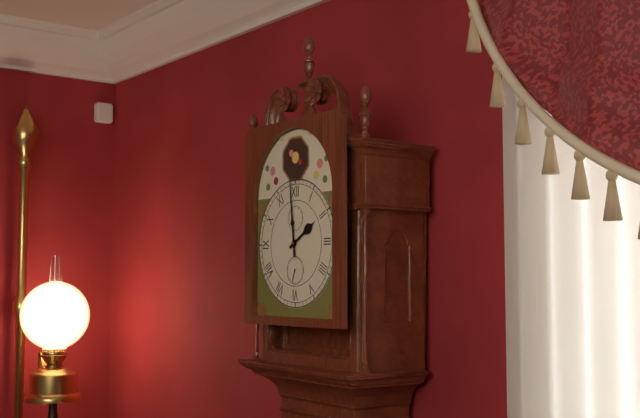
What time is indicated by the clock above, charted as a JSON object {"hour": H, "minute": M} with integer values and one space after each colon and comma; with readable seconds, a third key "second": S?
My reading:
{"hour": 1, "minute": 59}
